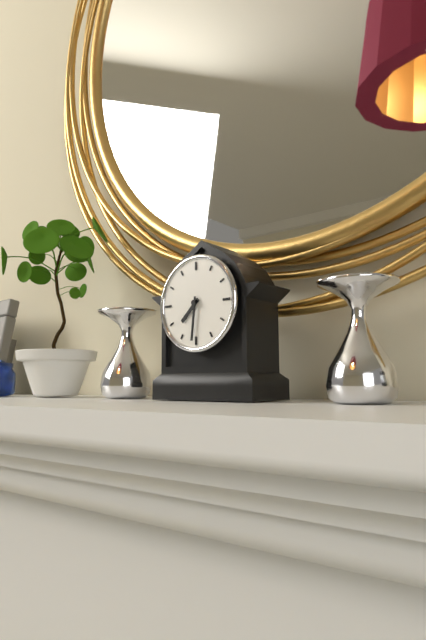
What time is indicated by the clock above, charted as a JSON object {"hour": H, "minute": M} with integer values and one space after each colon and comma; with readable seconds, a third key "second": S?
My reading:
{"hour": 7, "minute": 31}
